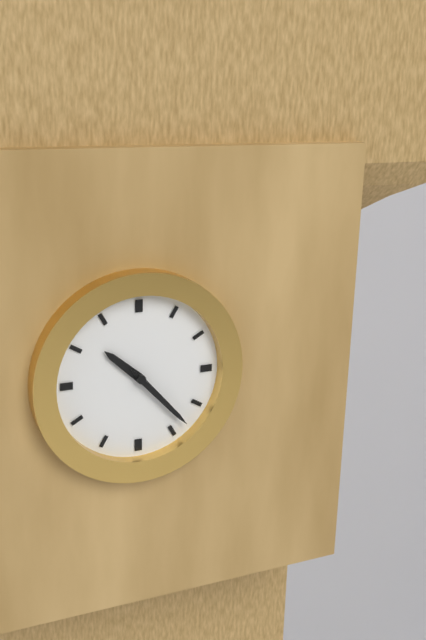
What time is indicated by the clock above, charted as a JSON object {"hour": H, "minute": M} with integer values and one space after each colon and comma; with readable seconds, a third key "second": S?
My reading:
{"hour": 10, "minute": 23}
